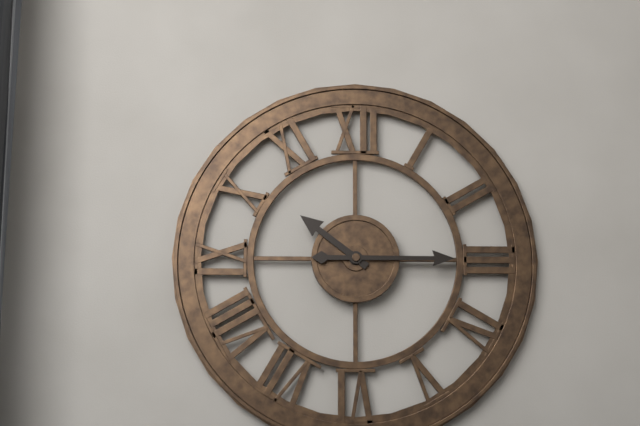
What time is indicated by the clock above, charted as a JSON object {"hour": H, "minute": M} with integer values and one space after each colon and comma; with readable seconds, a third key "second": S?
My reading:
{"hour": 10, "minute": 15}
